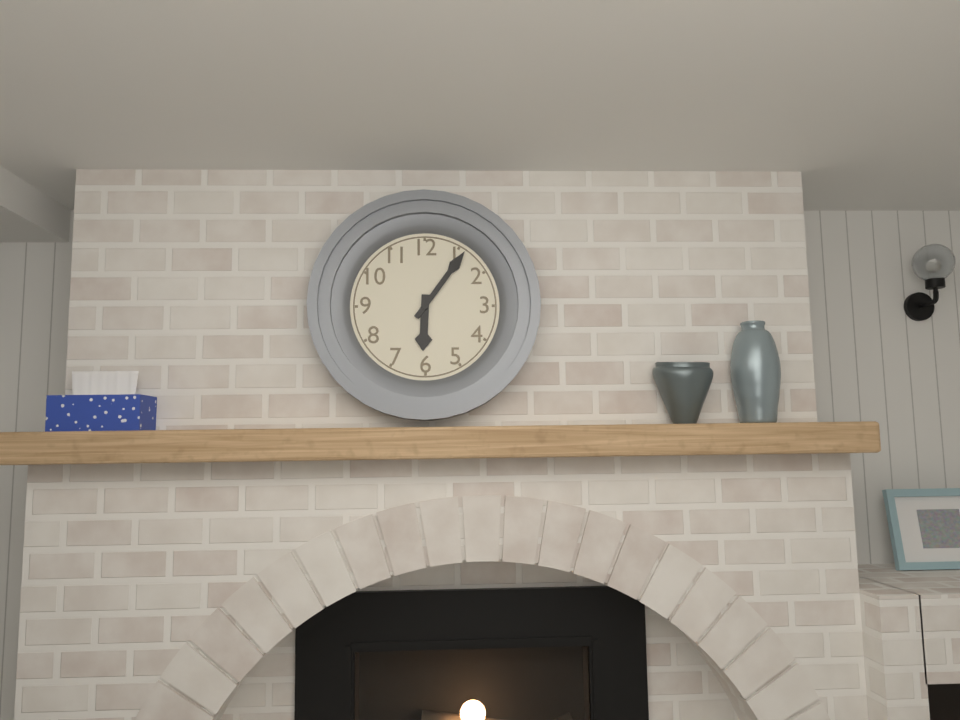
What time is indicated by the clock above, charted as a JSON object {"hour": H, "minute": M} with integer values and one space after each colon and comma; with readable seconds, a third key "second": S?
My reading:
{"hour": 6, "minute": 6}
